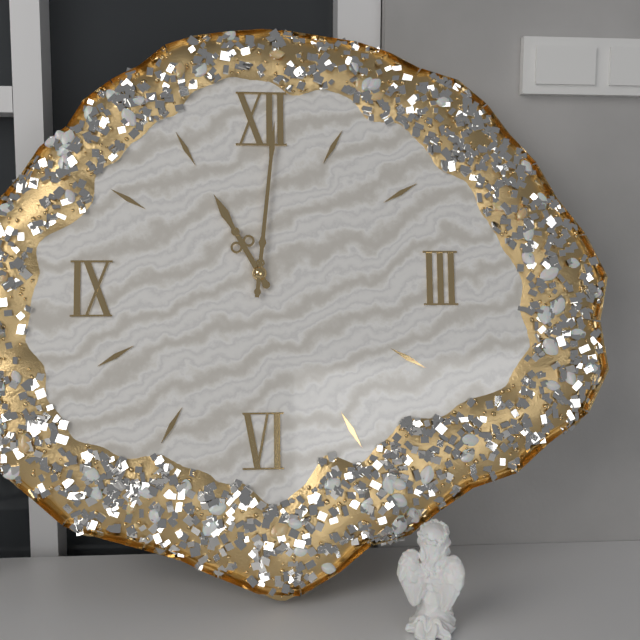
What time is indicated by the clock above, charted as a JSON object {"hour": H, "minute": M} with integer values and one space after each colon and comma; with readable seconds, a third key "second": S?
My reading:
{"hour": 11, "minute": 1}
